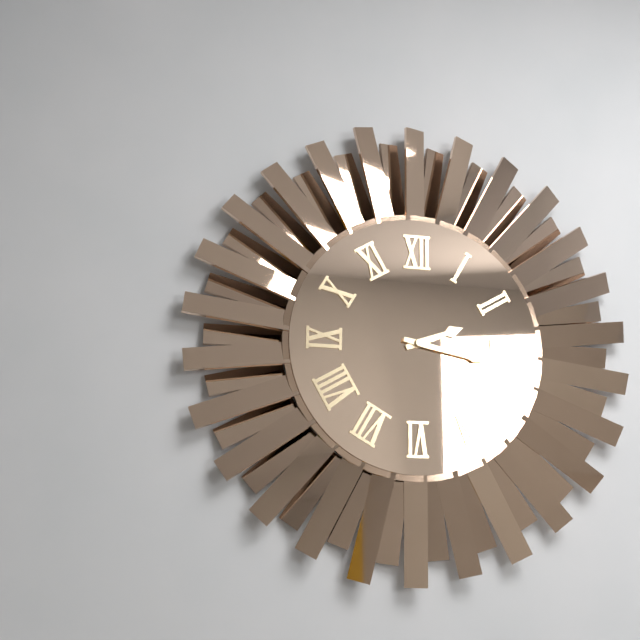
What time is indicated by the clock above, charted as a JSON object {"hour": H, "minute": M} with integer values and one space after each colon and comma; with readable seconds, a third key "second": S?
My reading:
{"hour": 2, "minute": 17}
